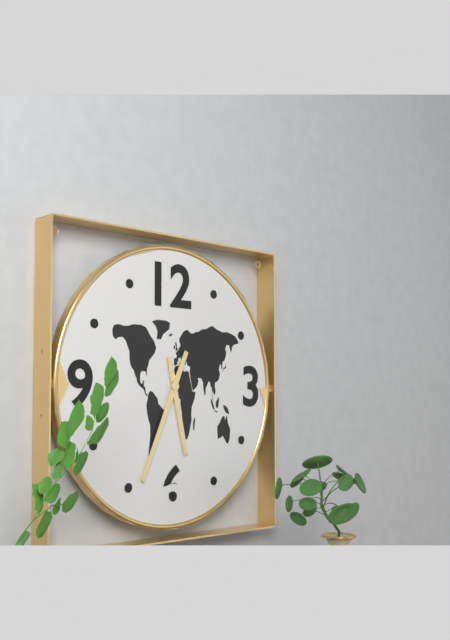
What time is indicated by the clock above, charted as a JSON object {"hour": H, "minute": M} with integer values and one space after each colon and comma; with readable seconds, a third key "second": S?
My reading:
{"hour": 5, "minute": 34}
